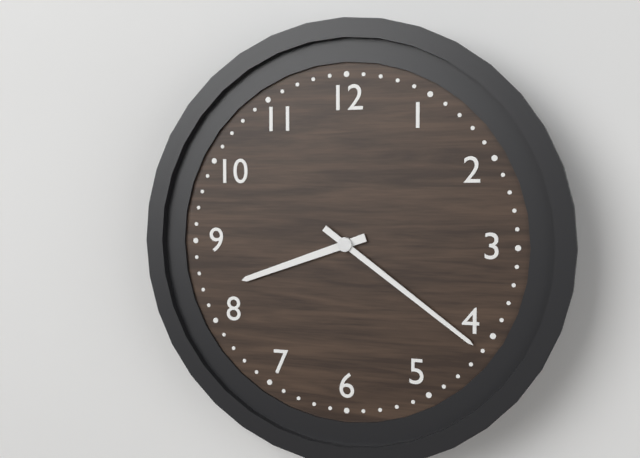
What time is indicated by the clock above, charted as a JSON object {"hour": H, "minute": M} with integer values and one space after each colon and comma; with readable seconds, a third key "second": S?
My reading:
{"hour": 8, "minute": 21}
